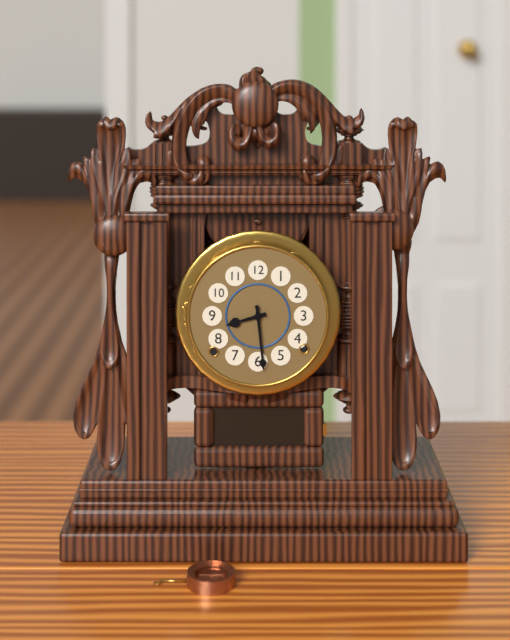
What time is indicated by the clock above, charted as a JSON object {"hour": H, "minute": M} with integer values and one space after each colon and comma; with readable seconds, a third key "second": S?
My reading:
{"hour": 8, "minute": 29}
